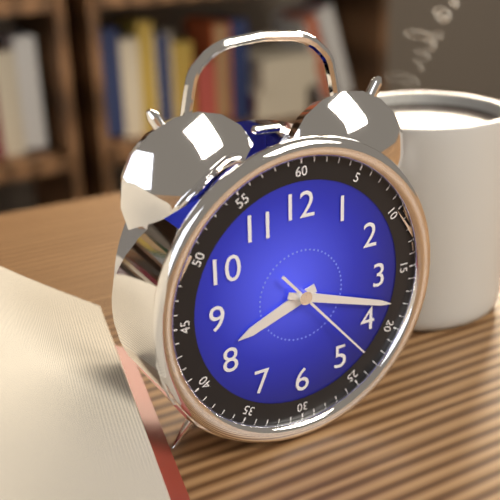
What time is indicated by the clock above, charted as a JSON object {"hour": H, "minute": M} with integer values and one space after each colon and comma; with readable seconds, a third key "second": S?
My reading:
{"hour": 8, "minute": 18, "second": 23}
